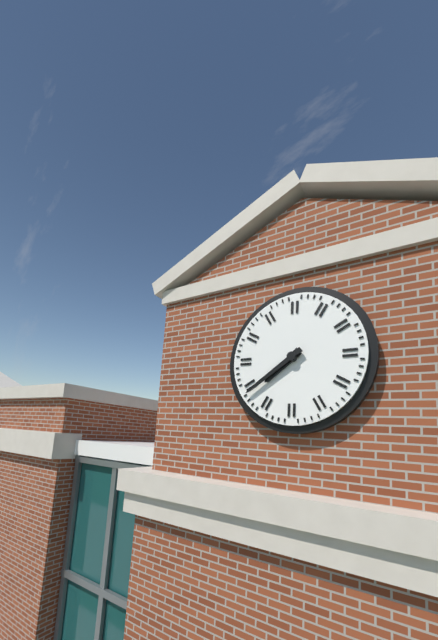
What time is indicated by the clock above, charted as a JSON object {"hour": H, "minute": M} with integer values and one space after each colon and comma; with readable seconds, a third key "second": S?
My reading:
{"hour": 7, "minute": 39}
